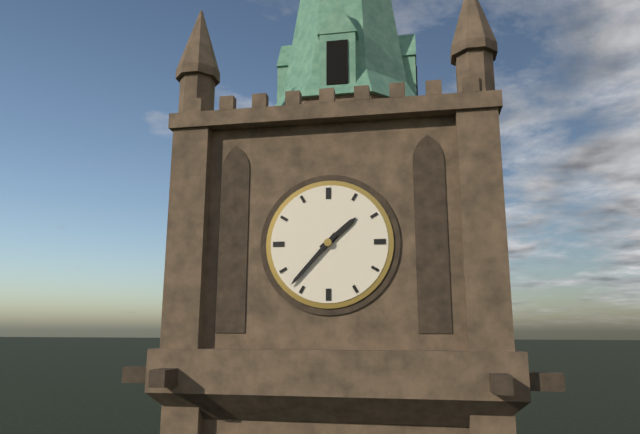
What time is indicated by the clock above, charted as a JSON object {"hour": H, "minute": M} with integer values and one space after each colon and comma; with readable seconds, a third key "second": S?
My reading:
{"hour": 1, "minute": 37}
